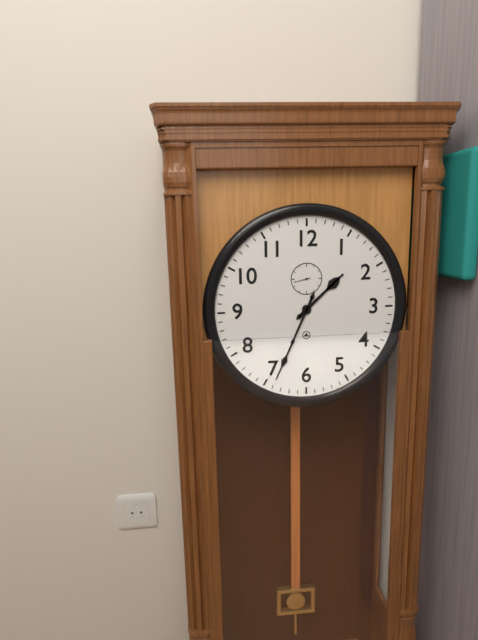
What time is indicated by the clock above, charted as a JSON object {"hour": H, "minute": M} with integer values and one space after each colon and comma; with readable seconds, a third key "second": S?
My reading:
{"hour": 1, "minute": 34}
